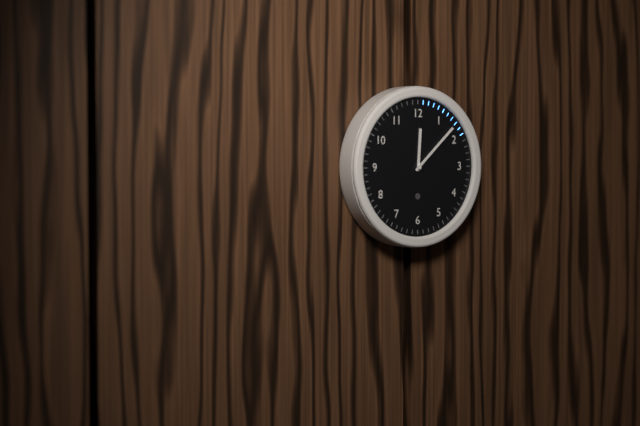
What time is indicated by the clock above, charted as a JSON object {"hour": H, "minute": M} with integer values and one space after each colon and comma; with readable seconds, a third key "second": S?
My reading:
{"hour": 12, "minute": 8}
